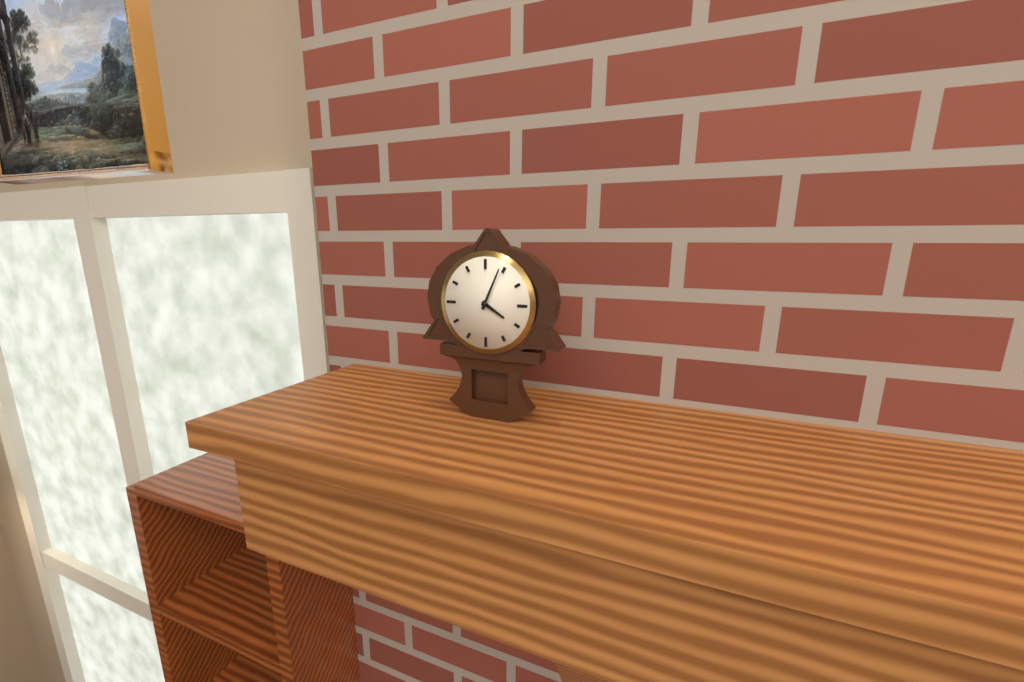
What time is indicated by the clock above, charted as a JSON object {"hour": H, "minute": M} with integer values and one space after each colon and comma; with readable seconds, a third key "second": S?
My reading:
{"hour": 4, "minute": 4}
